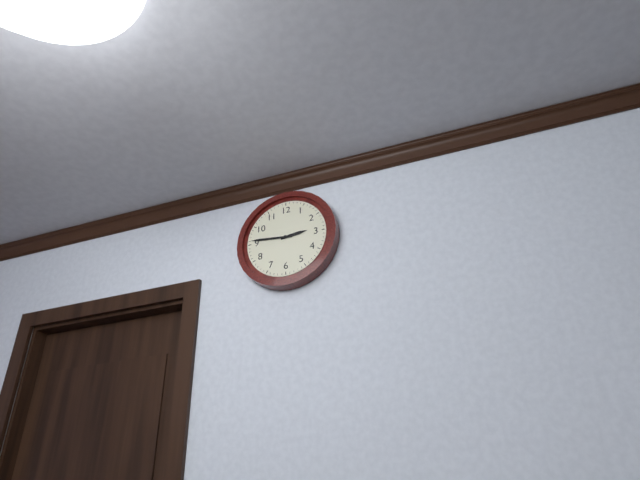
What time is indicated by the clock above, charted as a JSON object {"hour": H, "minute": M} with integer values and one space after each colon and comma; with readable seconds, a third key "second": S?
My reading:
{"hour": 2, "minute": 46}
